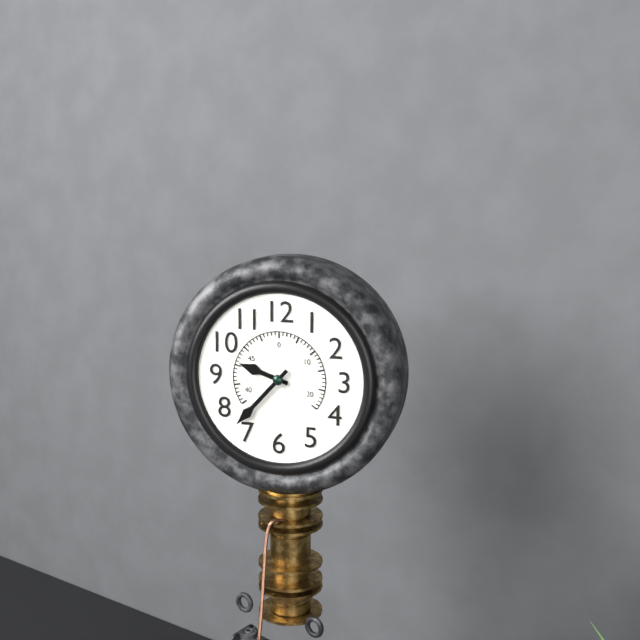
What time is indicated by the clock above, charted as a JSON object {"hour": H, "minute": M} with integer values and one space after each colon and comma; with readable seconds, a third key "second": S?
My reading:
{"hour": 9, "minute": 37}
